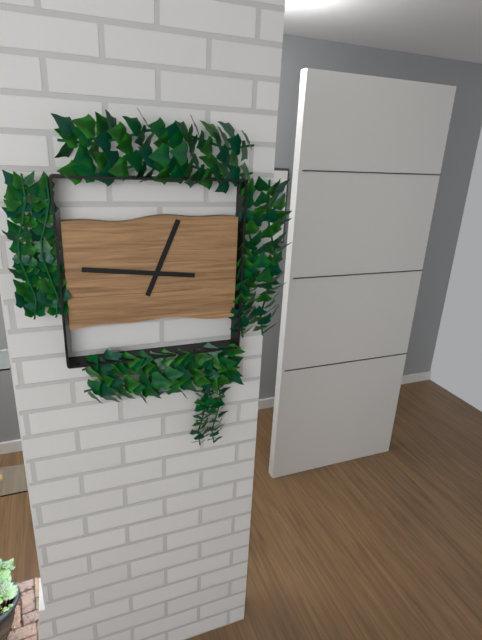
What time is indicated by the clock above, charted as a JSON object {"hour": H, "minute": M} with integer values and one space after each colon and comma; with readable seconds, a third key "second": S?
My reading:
{"hour": 12, "minute": 46}
